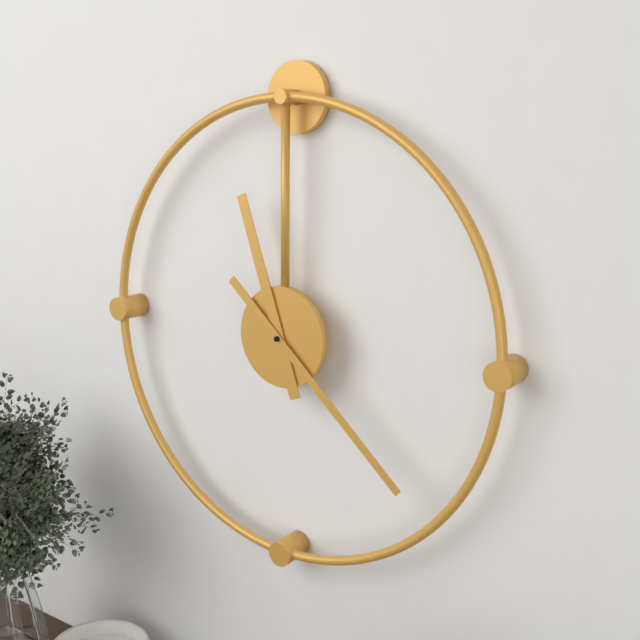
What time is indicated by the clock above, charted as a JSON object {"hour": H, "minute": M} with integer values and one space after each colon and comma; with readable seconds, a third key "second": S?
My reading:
{"hour": 11, "minute": 22}
